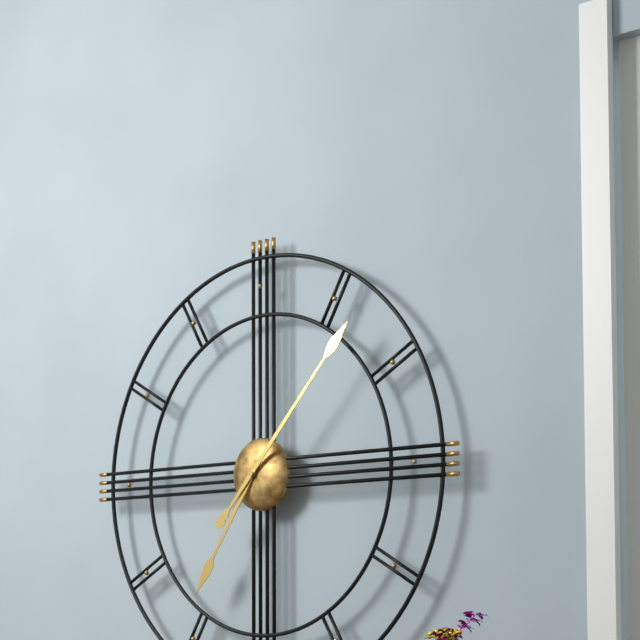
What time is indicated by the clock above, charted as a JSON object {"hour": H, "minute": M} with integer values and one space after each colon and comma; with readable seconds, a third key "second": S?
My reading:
{"hour": 7, "minute": 7}
